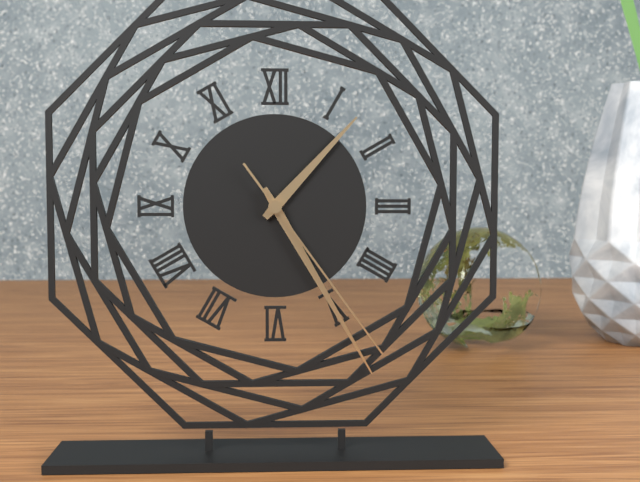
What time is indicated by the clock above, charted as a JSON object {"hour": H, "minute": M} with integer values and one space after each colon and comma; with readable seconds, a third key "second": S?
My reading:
{"hour": 1, "minute": 25, "second": 24}
